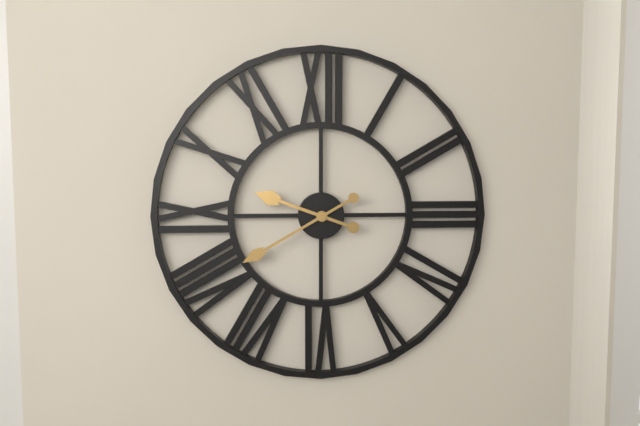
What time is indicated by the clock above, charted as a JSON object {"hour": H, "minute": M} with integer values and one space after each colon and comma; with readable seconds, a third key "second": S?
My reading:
{"hour": 9, "minute": 40}
